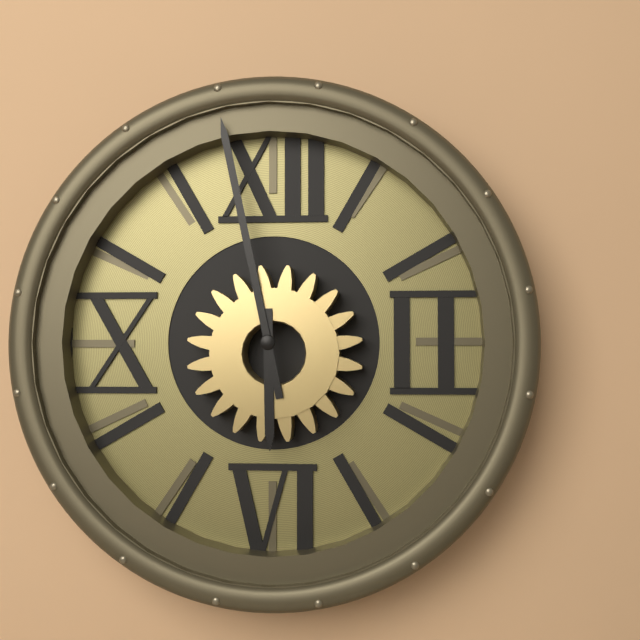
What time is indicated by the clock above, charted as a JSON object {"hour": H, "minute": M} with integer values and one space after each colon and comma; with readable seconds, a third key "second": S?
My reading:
{"hour": 5, "minute": 58}
